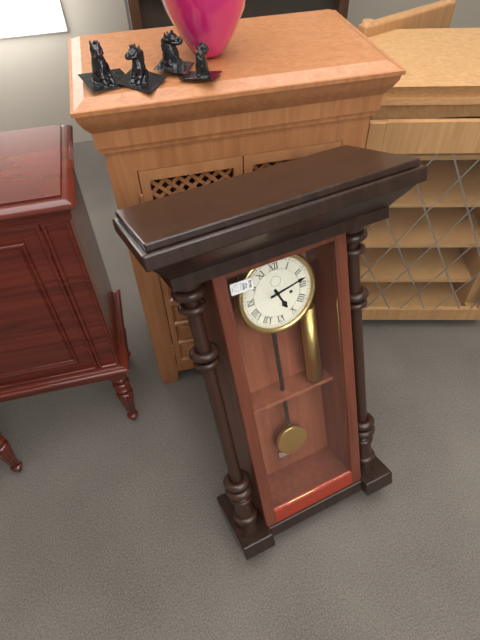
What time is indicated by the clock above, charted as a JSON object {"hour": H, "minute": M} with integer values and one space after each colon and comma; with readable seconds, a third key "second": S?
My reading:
{"hour": 5, "minute": 13}
